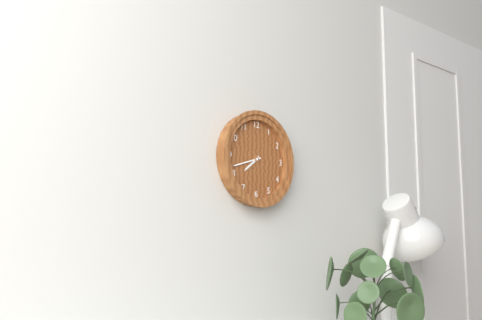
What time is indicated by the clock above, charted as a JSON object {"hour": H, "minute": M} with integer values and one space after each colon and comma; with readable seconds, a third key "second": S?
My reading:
{"hour": 7, "minute": 42}
